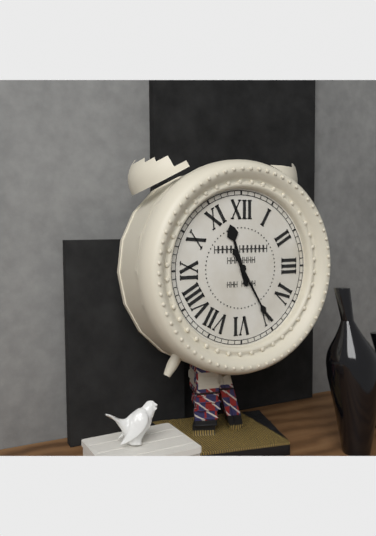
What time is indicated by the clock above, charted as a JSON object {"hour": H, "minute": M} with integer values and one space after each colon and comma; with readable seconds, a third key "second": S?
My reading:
{"hour": 11, "minute": 25}
